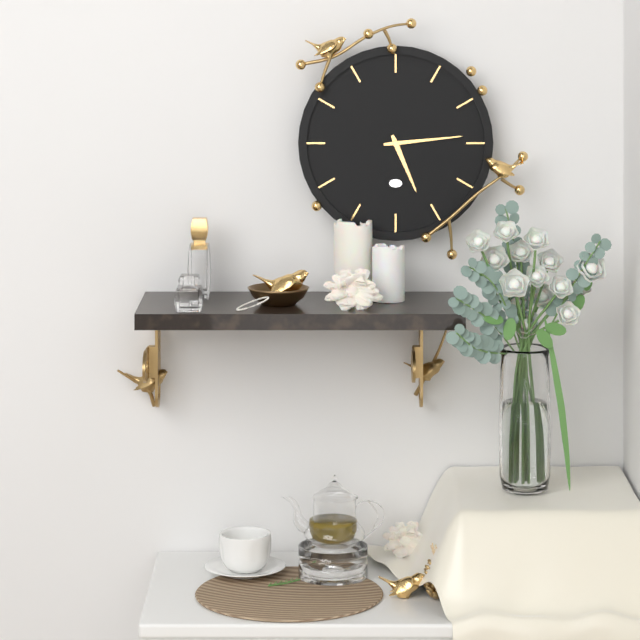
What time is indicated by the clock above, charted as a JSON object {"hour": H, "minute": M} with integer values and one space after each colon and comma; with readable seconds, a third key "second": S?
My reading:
{"hour": 5, "minute": 14}
